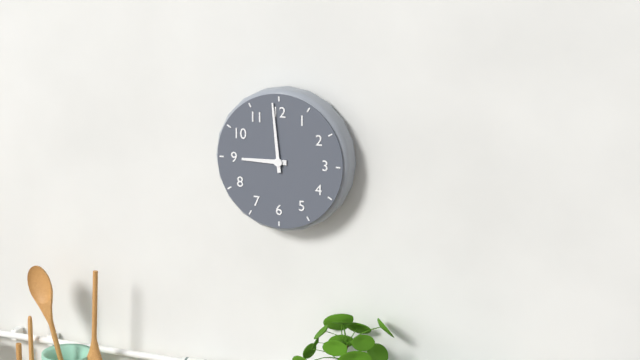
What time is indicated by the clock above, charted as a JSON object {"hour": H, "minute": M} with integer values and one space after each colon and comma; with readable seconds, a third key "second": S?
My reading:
{"hour": 8, "minute": 59}
